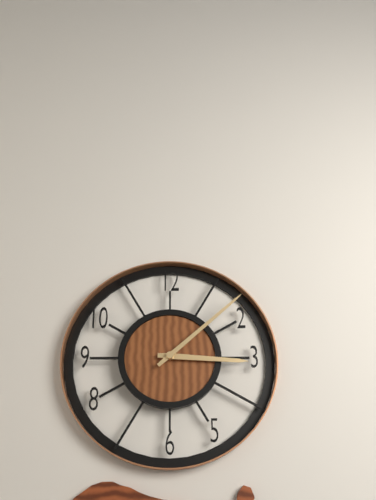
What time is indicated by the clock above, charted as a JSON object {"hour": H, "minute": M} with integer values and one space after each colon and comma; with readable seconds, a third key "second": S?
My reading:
{"hour": 3, "minute": 8}
